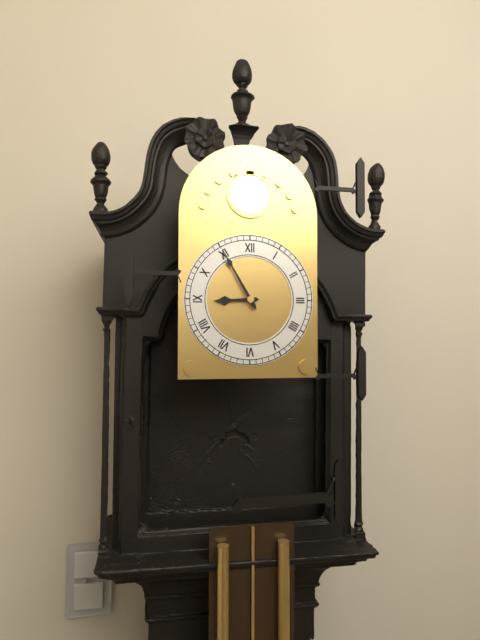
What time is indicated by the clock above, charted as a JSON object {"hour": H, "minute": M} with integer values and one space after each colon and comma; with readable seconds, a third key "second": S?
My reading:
{"hour": 8, "minute": 55}
